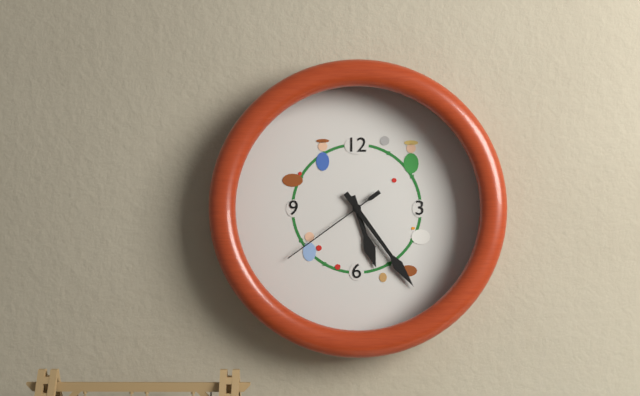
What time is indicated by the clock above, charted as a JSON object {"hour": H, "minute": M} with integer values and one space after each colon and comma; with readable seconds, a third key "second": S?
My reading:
{"hour": 5, "minute": 24, "second": 39}
